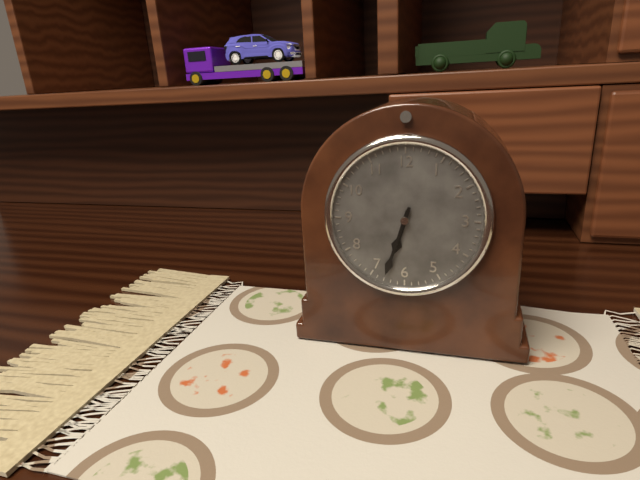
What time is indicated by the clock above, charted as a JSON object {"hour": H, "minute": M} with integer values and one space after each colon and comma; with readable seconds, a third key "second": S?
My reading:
{"hour": 6, "minute": 33}
